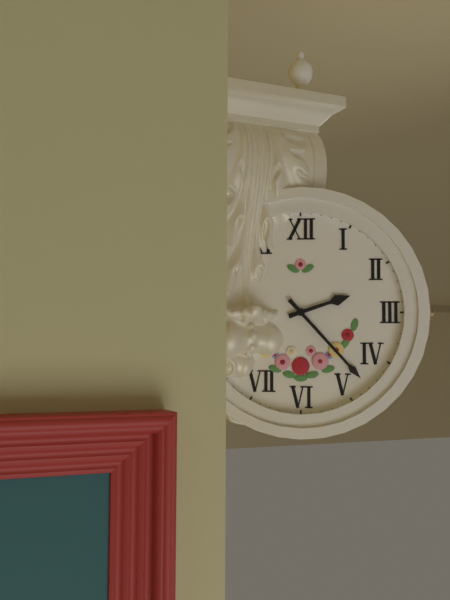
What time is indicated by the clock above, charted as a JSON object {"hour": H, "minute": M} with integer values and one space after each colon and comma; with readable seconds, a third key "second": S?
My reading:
{"hour": 2, "minute": 23}
